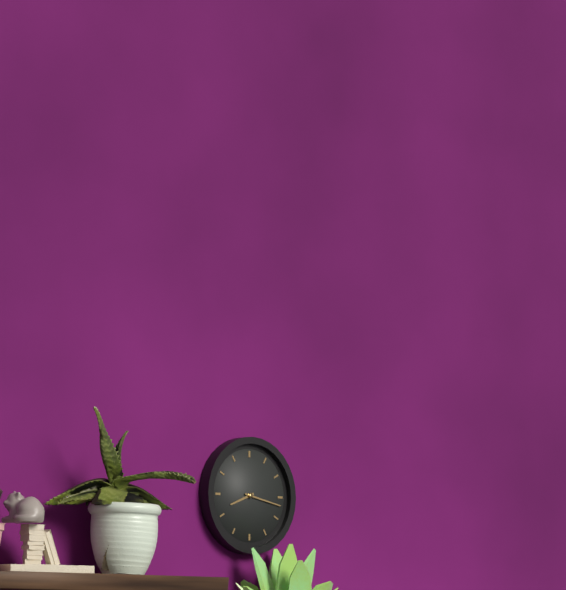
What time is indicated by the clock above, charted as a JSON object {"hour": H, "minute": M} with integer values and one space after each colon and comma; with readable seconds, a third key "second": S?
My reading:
{"hour": 8, "minute": 17}
